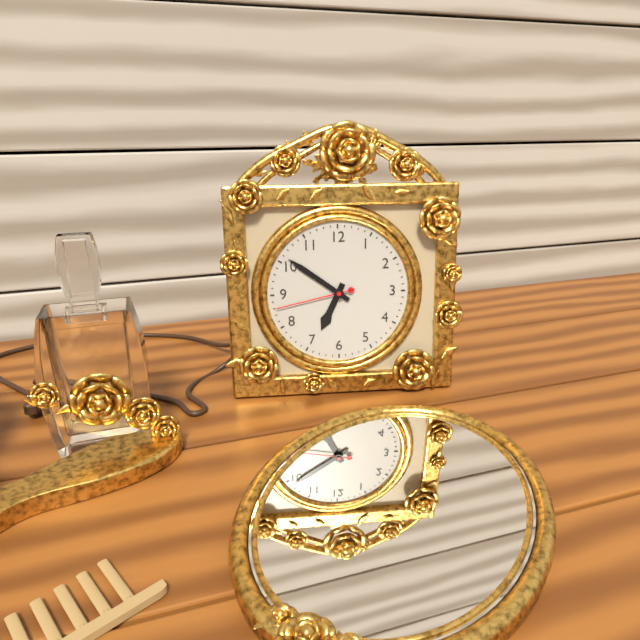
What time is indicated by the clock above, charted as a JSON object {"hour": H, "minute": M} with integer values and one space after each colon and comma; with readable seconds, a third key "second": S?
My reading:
{"hour": 6, "minute": 51, "second": 43}
